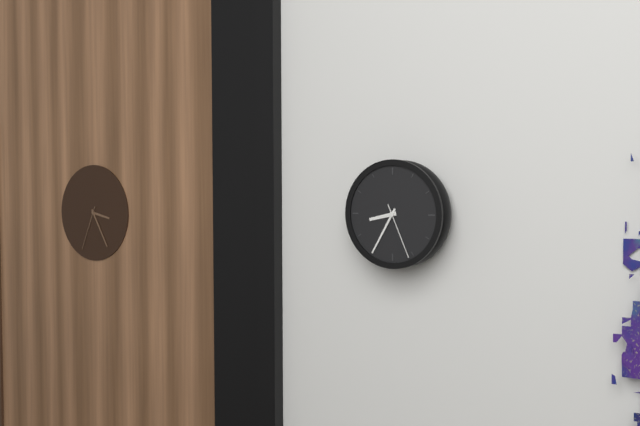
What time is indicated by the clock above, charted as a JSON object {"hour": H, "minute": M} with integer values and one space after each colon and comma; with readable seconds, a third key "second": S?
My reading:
{"hour": 8, "minute": 35, "second": 26}
